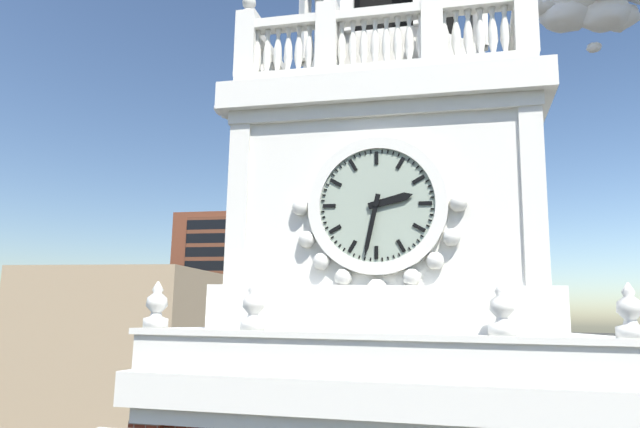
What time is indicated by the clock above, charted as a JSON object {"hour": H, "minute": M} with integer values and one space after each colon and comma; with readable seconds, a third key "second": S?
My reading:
{"hour": 2, "minute": 32}
